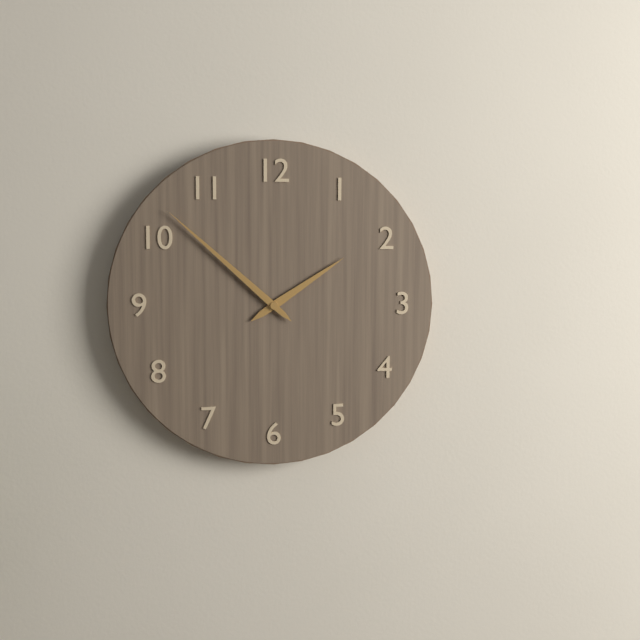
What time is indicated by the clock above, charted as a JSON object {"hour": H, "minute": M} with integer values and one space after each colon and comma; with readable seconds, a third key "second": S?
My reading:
{"hour": 1, "minute": 52}
